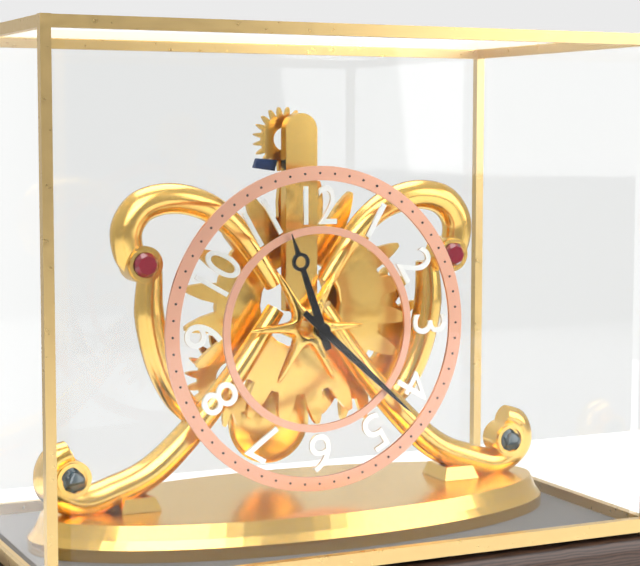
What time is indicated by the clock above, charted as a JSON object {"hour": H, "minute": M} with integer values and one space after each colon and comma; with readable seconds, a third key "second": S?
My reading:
{"hour": 11, "minute": 22}
